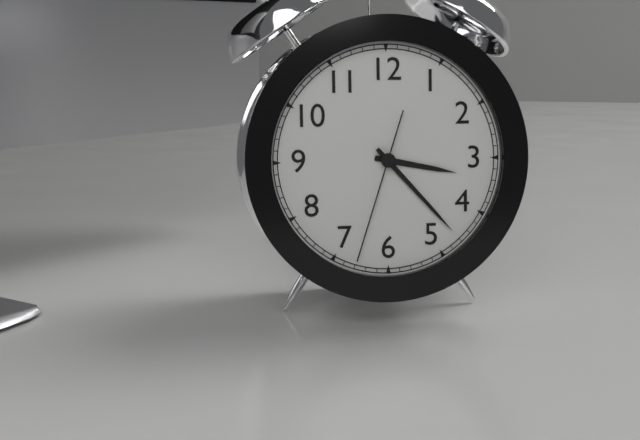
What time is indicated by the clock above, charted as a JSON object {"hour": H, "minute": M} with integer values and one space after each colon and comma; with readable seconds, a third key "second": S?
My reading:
{"hour": 3, "minute": 23, "second": 33}
